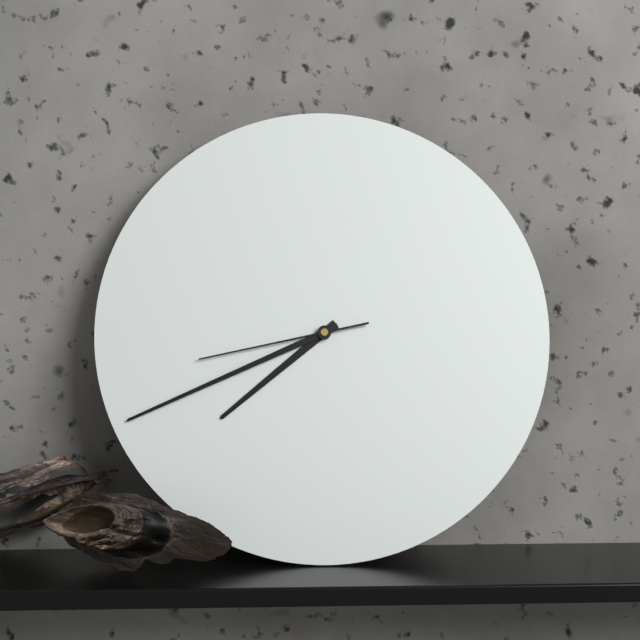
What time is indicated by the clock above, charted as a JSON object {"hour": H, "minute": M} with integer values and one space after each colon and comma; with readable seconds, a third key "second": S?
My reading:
{"hour": 7, "minute": 41, "second": 43}
